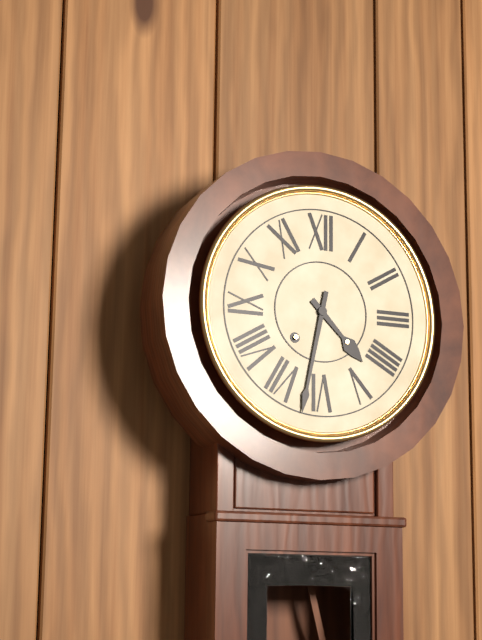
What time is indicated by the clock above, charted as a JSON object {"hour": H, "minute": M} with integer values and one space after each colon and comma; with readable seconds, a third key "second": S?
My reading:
{"hour": 4, "minute": 32}
